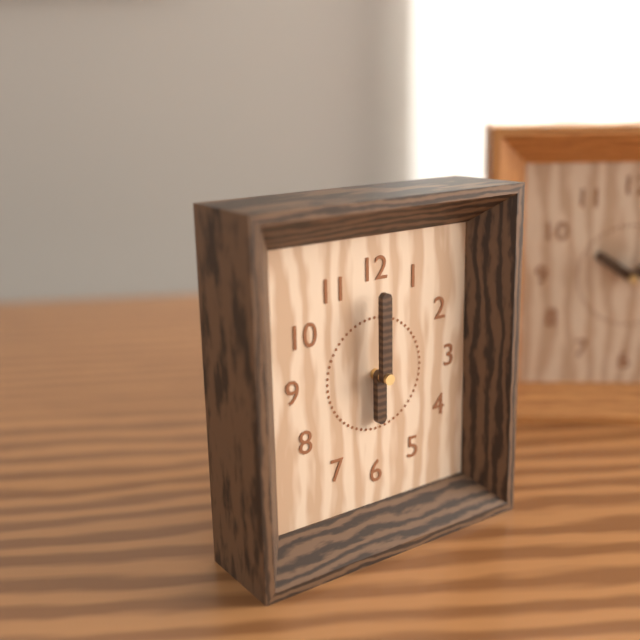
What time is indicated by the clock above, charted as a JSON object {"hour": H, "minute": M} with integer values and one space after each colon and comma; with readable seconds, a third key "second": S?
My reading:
{"hour": 6, "minute": 0}
